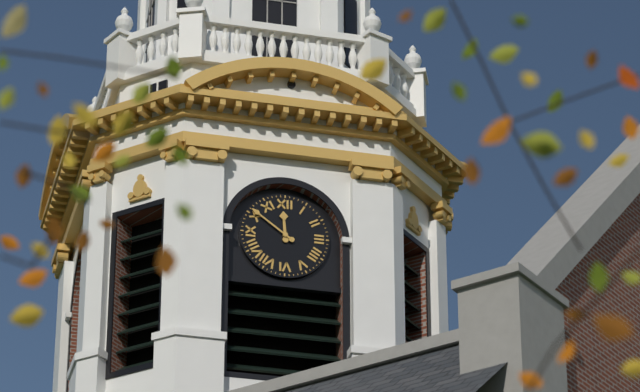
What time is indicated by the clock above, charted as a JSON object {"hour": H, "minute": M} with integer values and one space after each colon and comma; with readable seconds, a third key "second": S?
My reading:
{"hour": 11, "minute": 51}
